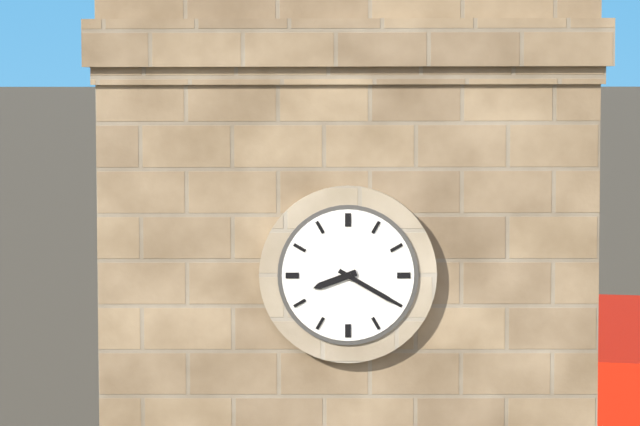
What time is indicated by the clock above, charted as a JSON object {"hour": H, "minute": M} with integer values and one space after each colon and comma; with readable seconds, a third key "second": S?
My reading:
{"hour": 8, "minute": 20}
